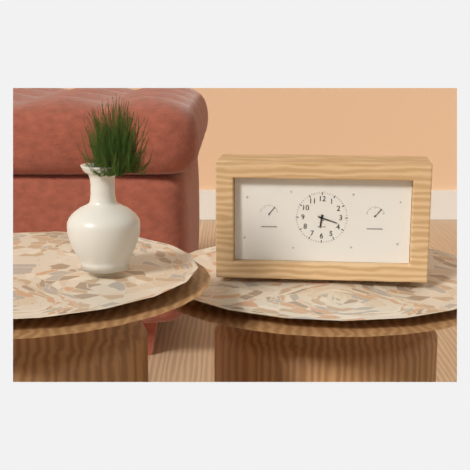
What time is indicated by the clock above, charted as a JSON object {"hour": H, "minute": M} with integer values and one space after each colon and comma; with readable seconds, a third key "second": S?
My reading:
{"hour": 6, "minute": 18}
